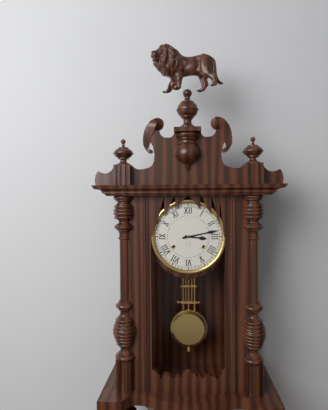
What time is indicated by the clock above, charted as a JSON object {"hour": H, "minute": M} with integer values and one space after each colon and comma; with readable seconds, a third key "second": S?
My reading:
{"hour": 3, "minute": 13}
